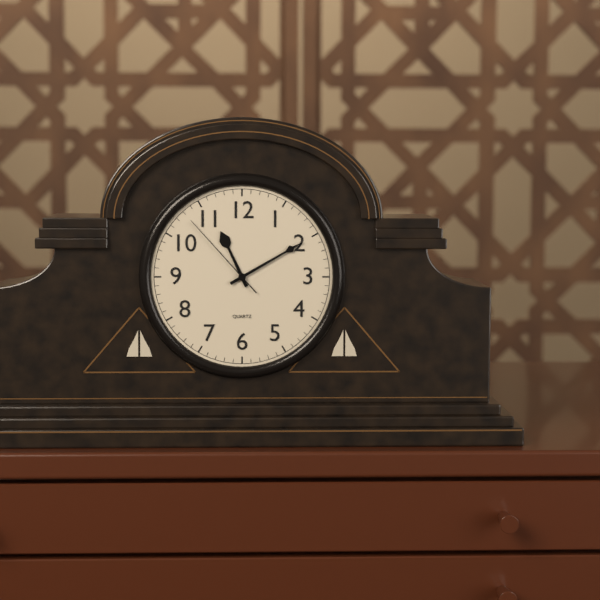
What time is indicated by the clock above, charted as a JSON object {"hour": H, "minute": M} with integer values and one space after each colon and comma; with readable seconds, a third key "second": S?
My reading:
{"hour": 11, "minute": 10, "second": 53}
